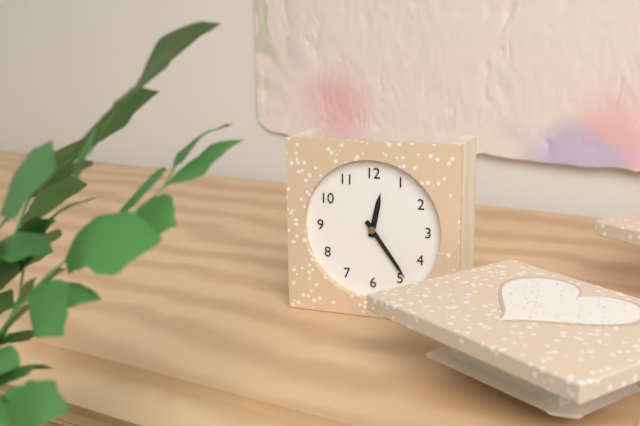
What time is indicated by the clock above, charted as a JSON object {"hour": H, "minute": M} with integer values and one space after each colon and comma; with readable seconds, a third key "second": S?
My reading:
{"hour": 12, "minute": 24}
